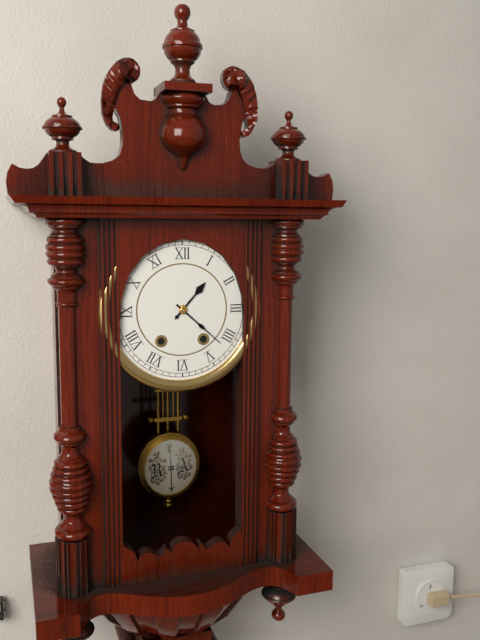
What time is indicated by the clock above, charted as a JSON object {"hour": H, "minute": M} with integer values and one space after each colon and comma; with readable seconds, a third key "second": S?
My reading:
{"hour": 1, "minute": 22}
